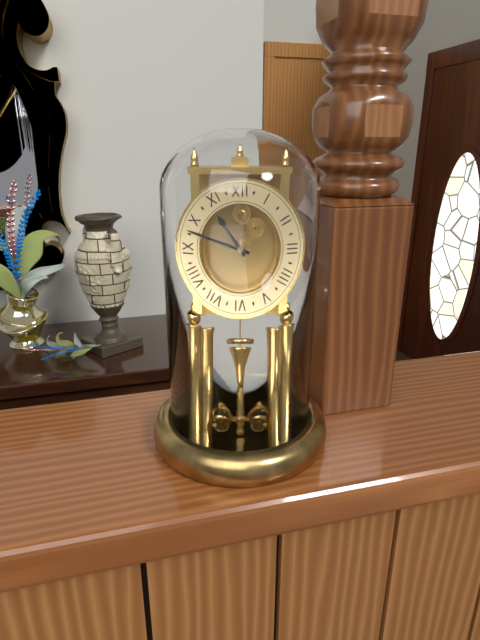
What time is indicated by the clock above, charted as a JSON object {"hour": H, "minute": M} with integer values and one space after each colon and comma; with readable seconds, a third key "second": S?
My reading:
{"hour": 10, "minute": 48}
